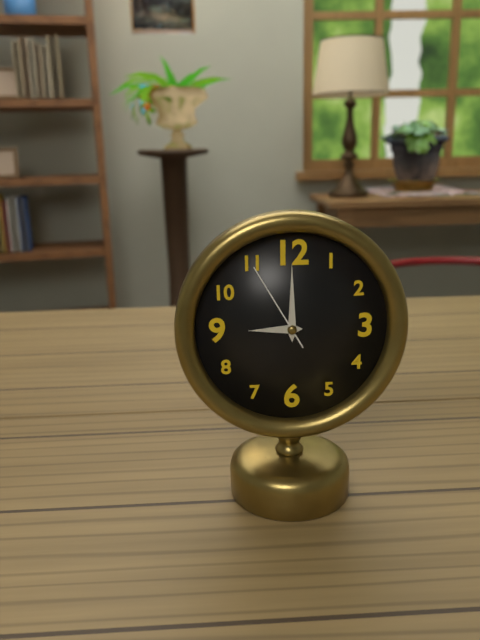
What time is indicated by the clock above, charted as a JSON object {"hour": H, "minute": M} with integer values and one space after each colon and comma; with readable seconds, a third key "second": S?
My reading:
{"hour": 9, "minute": 0, "second": 55}
